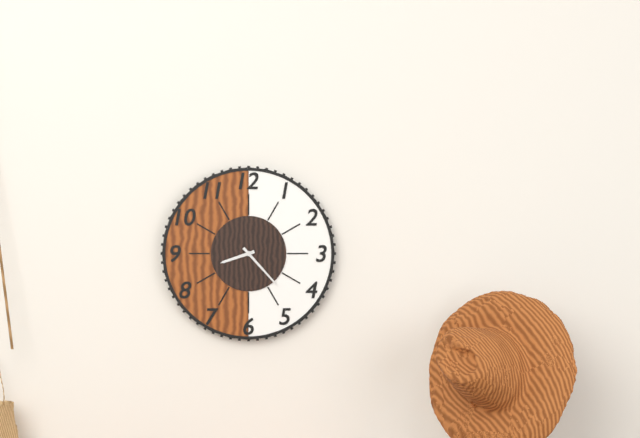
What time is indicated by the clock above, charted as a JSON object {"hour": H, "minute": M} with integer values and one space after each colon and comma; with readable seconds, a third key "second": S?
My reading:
{"hour": 8, "minute": 23}
